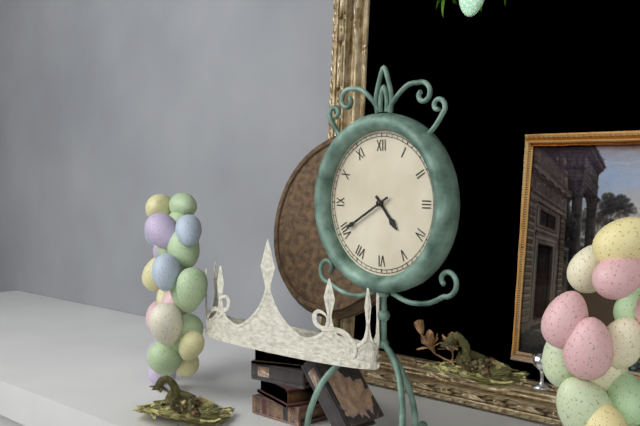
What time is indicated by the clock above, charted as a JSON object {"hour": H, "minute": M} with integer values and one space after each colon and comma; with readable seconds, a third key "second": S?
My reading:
{"hour": 4, "minute": 40}
